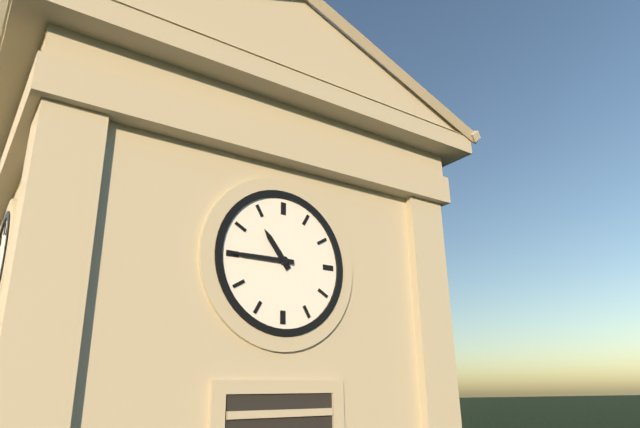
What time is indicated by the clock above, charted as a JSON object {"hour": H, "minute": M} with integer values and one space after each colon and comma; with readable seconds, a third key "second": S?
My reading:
{"hour": 10, "minute": 45}
